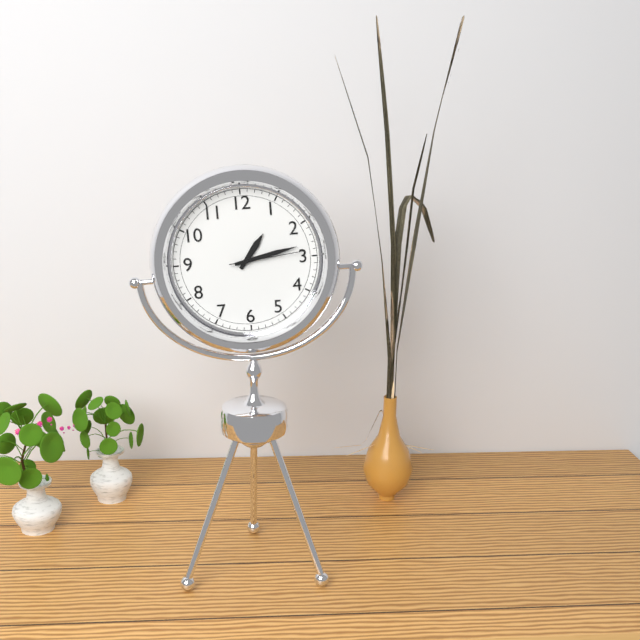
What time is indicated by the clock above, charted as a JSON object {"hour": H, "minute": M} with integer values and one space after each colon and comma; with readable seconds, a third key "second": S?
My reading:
{"hour": 1, "minute": 13, "second": 14}
